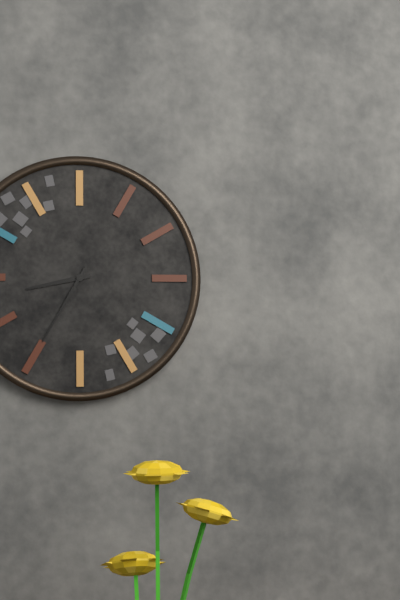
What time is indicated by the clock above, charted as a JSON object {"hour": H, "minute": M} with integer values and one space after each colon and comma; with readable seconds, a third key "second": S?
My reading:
{"hour": 8, "minute": 35}
